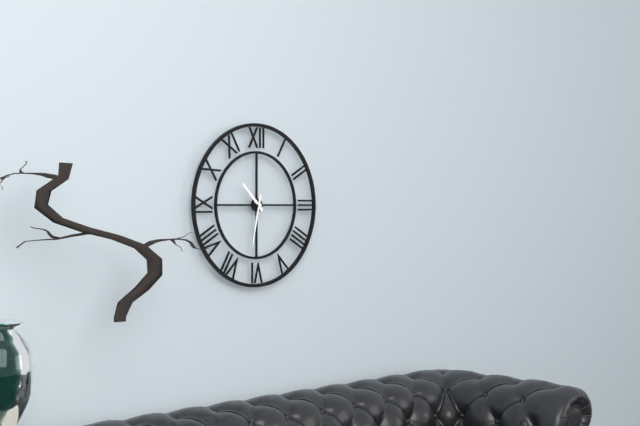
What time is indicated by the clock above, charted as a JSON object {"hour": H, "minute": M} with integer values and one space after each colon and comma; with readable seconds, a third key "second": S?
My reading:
{"hour": 10, "minute": 32}
